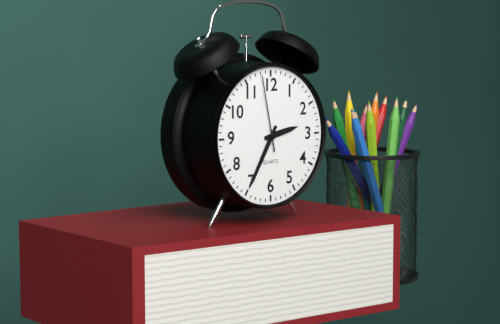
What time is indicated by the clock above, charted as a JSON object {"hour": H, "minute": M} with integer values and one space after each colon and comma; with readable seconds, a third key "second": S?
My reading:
{"hour": 2, "minute": 35, "second": 58}
